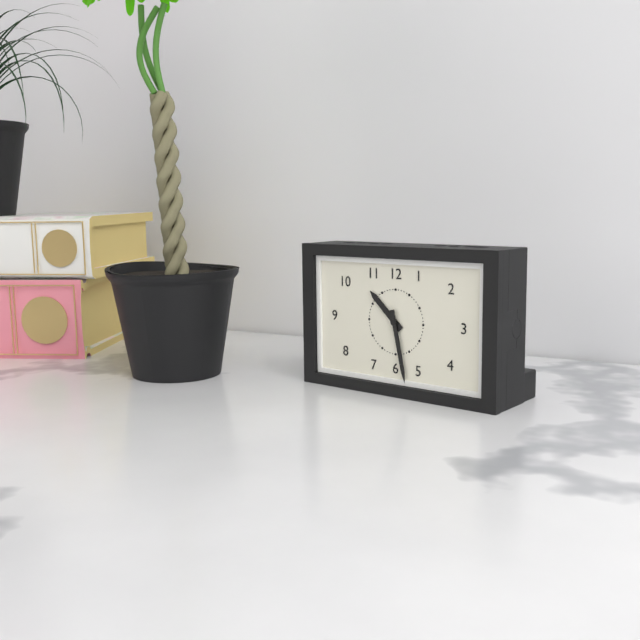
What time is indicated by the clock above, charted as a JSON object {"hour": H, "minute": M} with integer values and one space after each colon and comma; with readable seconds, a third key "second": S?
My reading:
{"hour": 10, "minute": 28}
